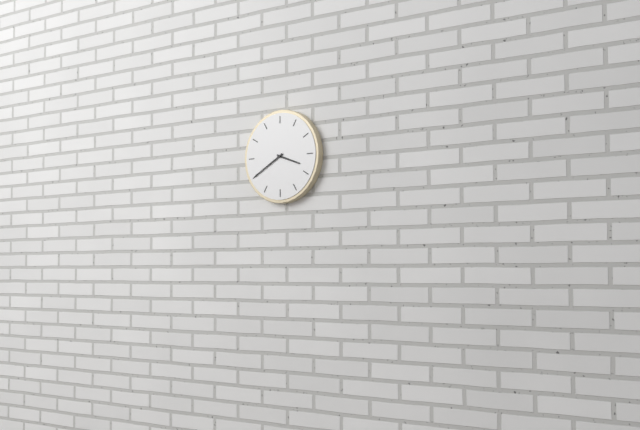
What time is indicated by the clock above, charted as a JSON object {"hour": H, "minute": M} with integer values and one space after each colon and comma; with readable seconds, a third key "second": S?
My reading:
{"hour": 3, "minute": 40}
